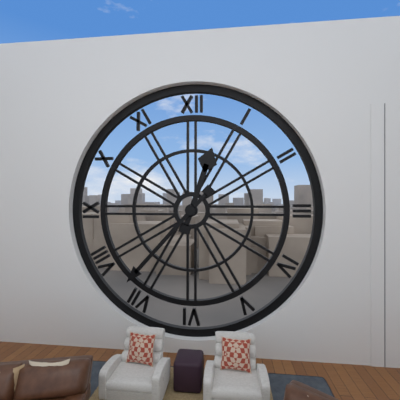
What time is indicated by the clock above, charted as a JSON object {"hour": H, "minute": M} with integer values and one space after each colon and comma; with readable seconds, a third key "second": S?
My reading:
{"hour": 12, "minute": 37}
